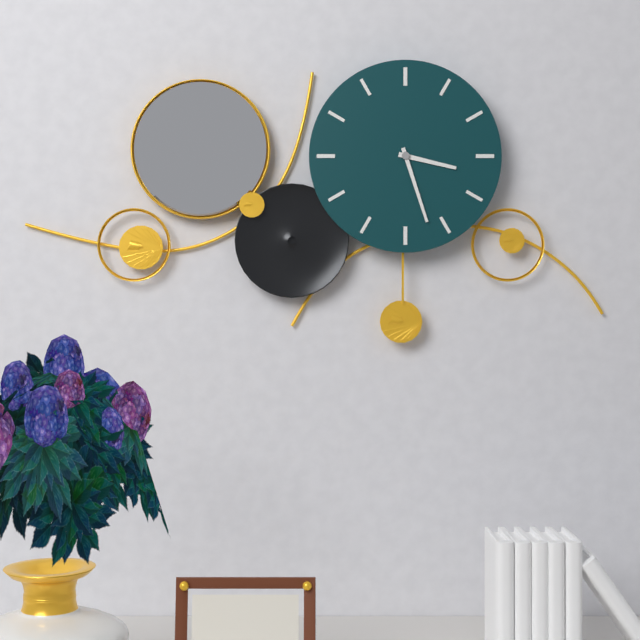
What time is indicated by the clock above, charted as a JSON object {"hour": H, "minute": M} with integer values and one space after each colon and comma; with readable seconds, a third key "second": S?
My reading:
{"hour": 3, "minute": 27}
